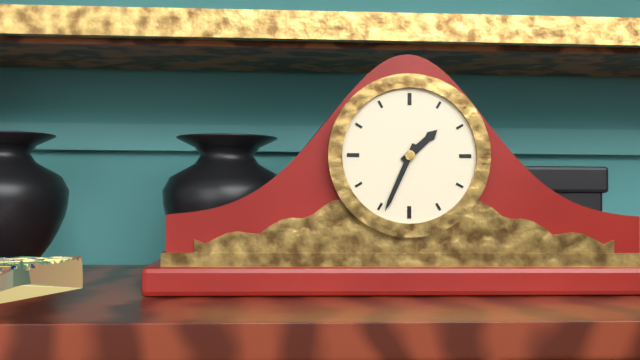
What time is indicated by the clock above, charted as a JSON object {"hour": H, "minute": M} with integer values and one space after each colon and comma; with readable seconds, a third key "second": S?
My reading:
{"hour": 1, "minute": 34}
